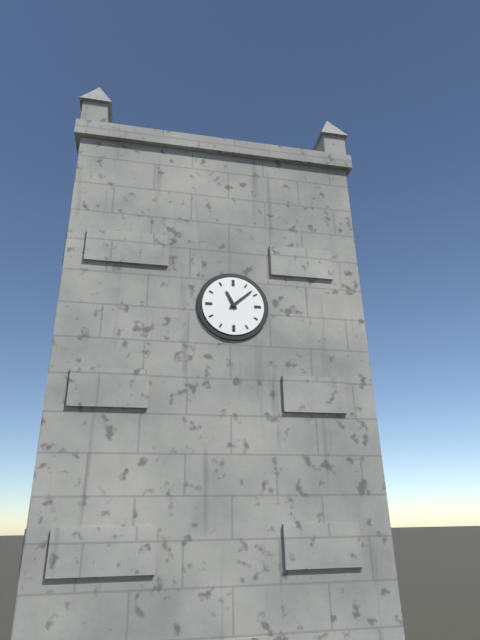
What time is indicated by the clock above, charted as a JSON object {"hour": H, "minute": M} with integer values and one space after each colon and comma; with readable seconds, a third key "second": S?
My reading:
{"hour": 11, "minute": 8}
